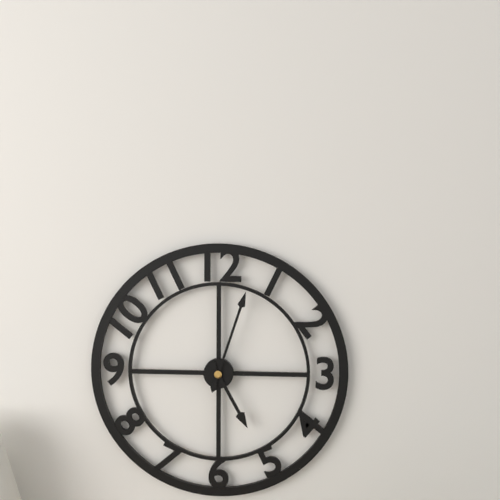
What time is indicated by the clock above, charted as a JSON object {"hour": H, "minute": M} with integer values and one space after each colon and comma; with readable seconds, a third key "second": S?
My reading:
{"hour": 5, "minute": 3}
